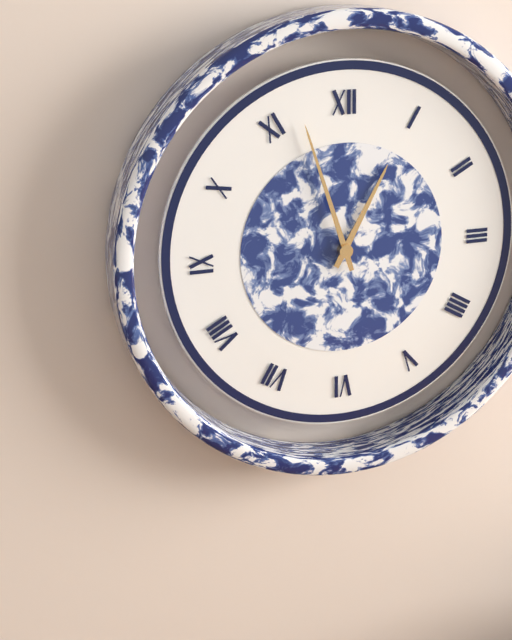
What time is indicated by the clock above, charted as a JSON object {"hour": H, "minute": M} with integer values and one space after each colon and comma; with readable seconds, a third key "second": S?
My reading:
{"hour": 12, "minute": 57}
